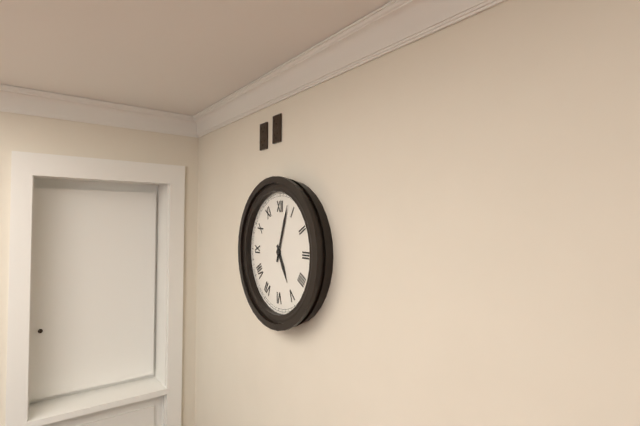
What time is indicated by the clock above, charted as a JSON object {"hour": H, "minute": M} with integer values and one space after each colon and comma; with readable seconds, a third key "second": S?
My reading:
{"hour": 5, "minute": 3}
